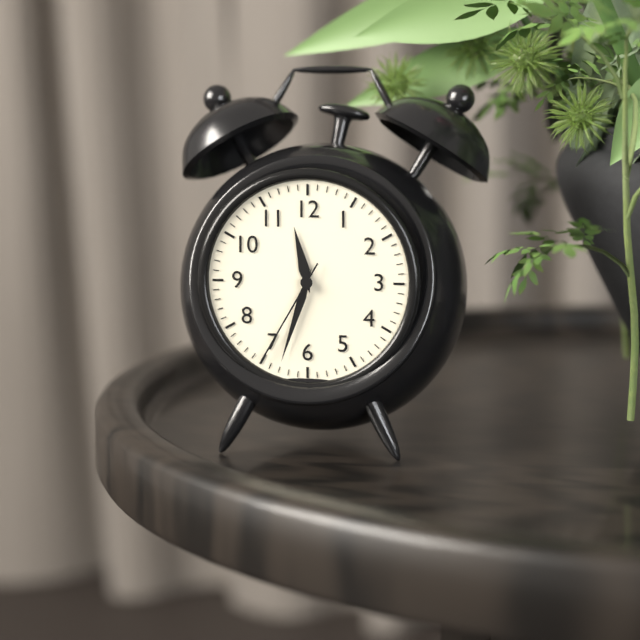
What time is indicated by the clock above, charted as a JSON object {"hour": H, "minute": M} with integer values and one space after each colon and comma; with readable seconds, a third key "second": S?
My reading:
{"hour": 11, "minute": 33, "second": 35}
